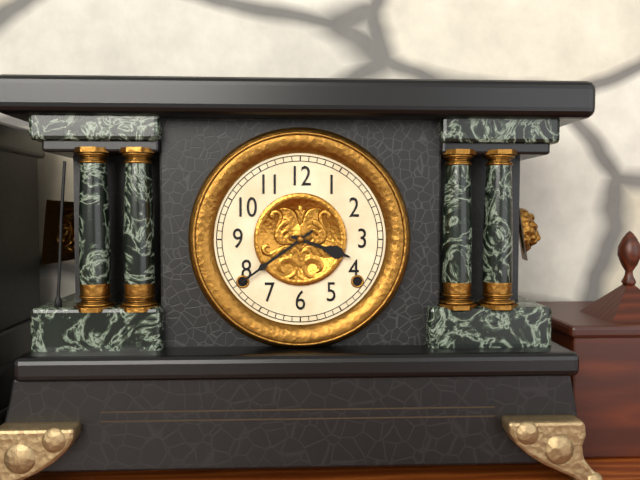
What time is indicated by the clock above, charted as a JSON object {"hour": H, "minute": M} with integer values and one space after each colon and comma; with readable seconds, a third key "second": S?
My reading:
{"hour": 3, "minute": 39}
